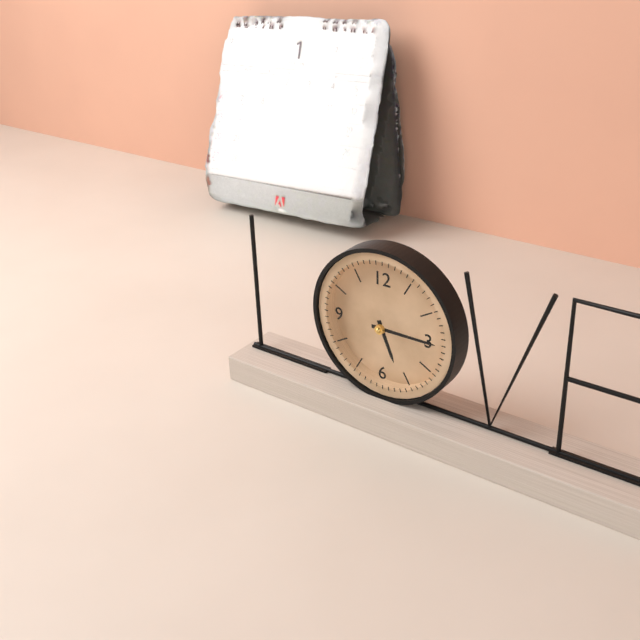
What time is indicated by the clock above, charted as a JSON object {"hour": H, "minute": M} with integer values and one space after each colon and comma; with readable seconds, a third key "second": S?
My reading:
{"hour": 5, "minute": 15}
